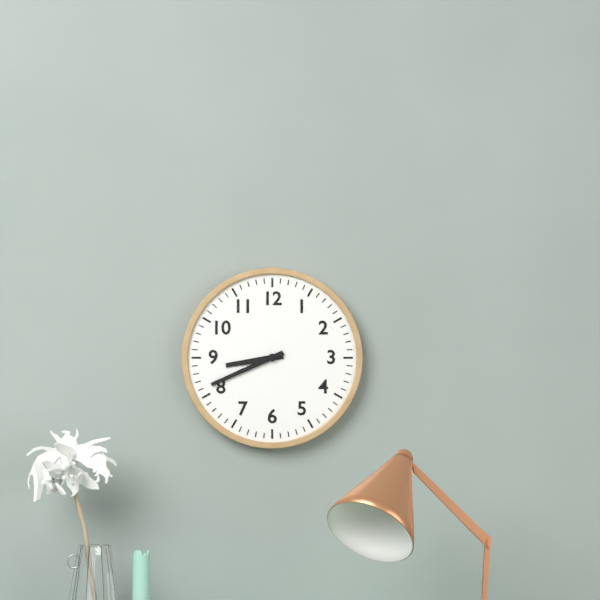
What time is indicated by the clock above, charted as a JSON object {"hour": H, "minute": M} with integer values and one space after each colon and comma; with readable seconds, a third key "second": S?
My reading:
{"hour": 8, "minute": 41}
